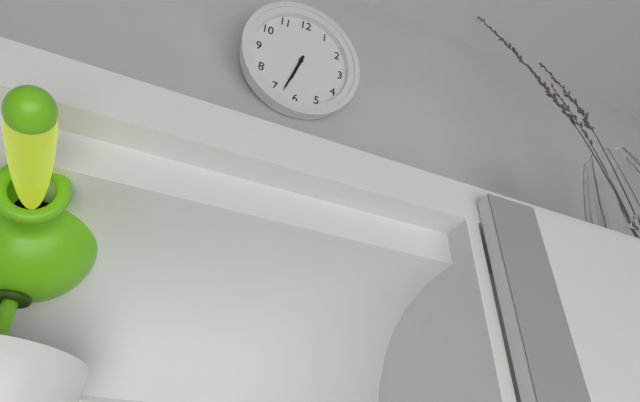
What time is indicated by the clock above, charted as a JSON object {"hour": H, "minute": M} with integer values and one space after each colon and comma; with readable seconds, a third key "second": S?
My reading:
{"hour": 6, "minute": 33}
